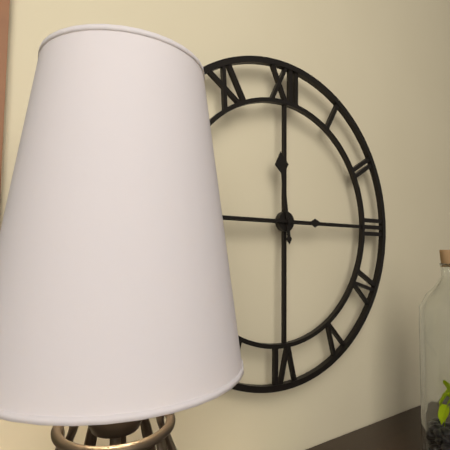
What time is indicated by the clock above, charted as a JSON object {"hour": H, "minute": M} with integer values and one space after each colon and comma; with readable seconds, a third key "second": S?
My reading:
{"hour": 11, "minute": 45}
